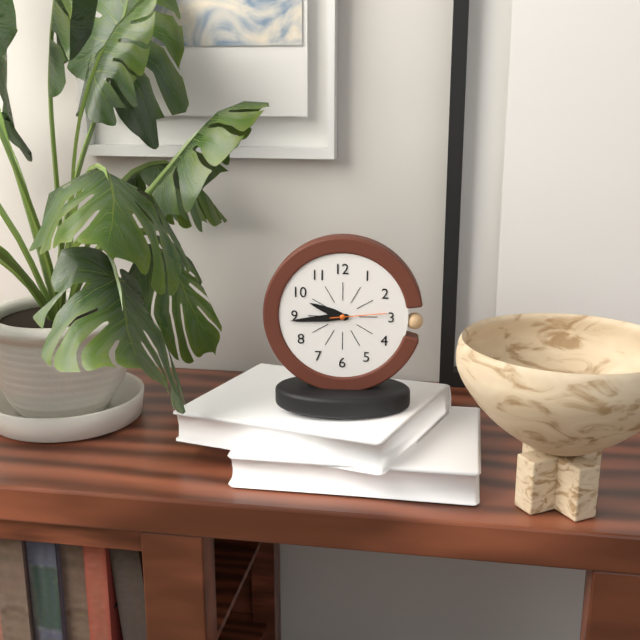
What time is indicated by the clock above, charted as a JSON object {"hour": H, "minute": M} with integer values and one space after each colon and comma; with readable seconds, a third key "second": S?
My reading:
{"hour": 9, "minute": 44, "second": 14}
